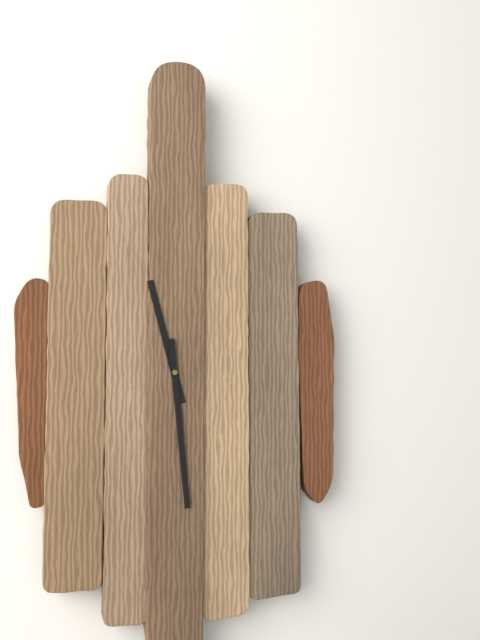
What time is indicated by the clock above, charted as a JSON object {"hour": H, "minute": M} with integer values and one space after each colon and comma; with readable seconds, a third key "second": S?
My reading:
{"hour": 11, "minute": 29}
